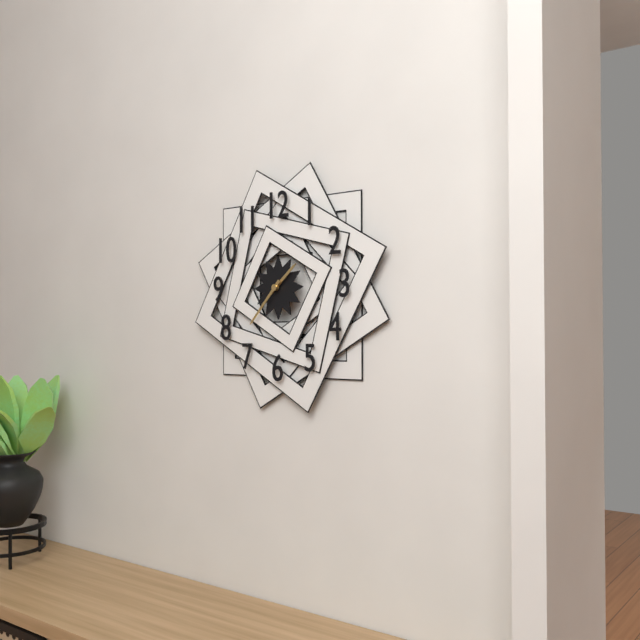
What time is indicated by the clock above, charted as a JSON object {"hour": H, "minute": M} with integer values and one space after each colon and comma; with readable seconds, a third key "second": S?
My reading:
{"hour": 1, "minute": 37}
